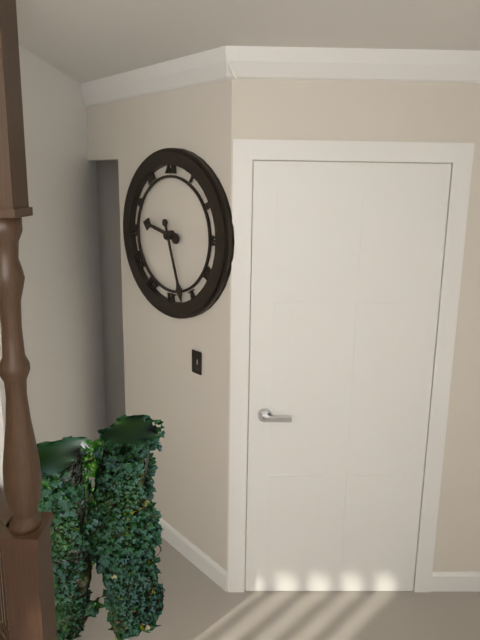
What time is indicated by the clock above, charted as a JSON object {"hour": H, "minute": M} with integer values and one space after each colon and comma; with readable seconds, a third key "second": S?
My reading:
{"hour": 9, "minute": 27}
